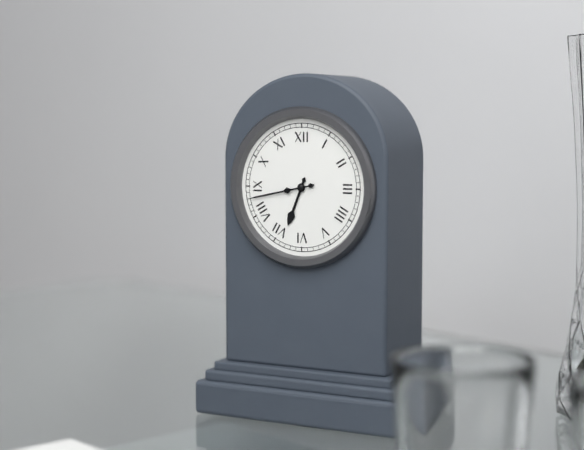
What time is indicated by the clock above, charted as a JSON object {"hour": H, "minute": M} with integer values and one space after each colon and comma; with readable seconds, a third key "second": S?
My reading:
{"hour": 6, "minute": 43}
